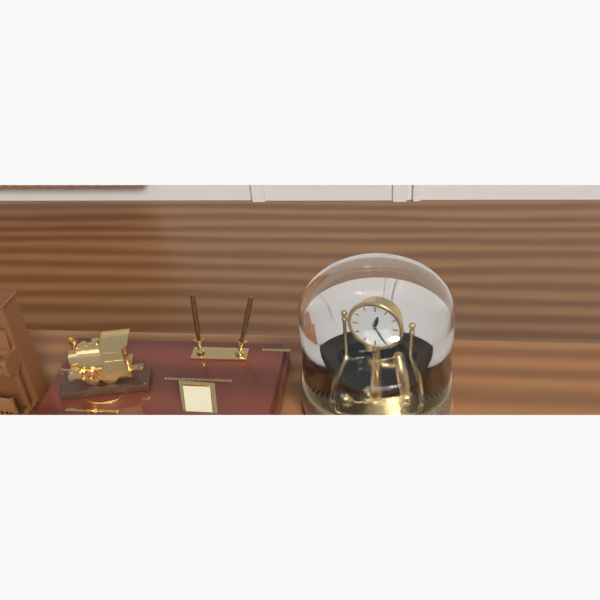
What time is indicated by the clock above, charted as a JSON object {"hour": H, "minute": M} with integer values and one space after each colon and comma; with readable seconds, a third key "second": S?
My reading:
{"hour": 12, "minute": 25}
